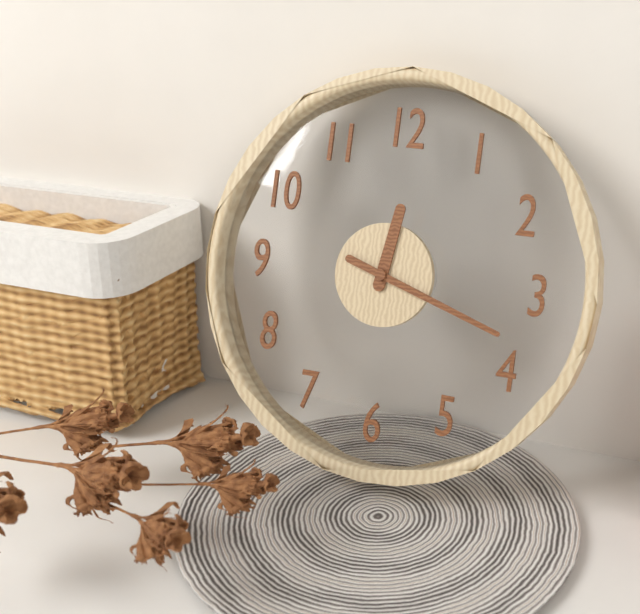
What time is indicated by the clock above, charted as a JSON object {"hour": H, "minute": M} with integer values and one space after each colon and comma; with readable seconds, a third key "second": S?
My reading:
{"hour": 12, "minute": 18}
